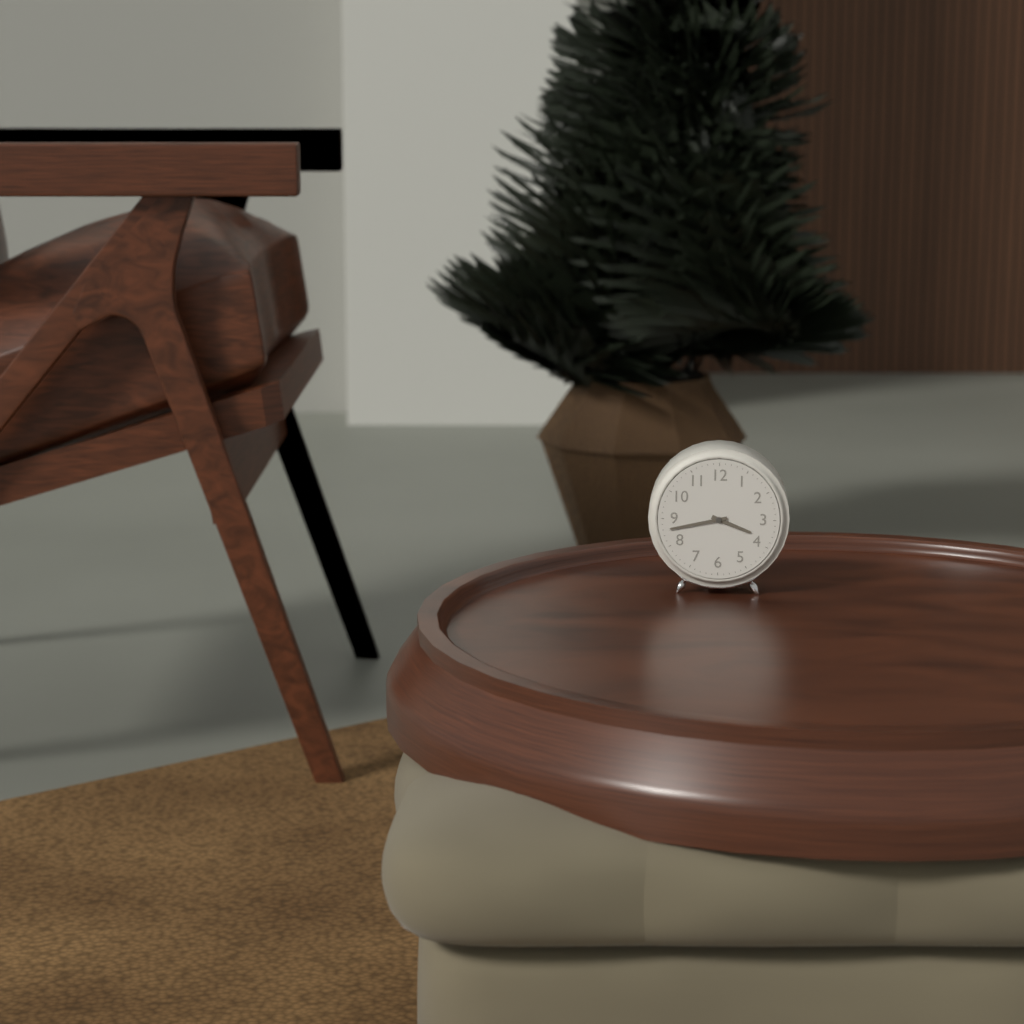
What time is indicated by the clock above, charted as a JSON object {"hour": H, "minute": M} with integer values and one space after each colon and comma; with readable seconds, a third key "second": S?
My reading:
{"hour": 3, "minute": 43}
